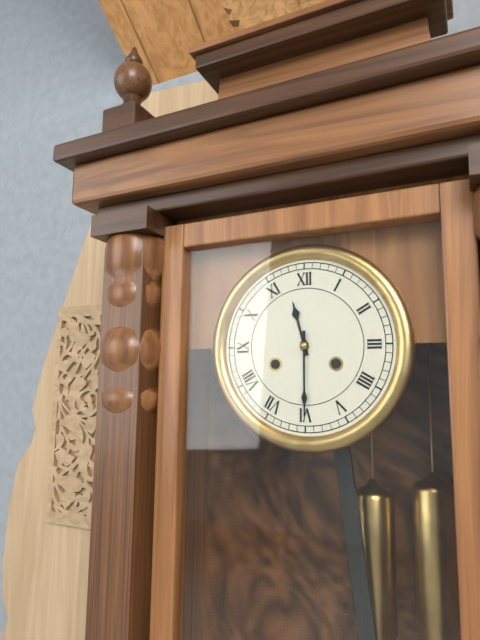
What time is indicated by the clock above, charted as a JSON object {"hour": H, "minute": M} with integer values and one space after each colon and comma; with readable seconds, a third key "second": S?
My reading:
{"hour": 11, "minute": 30}
